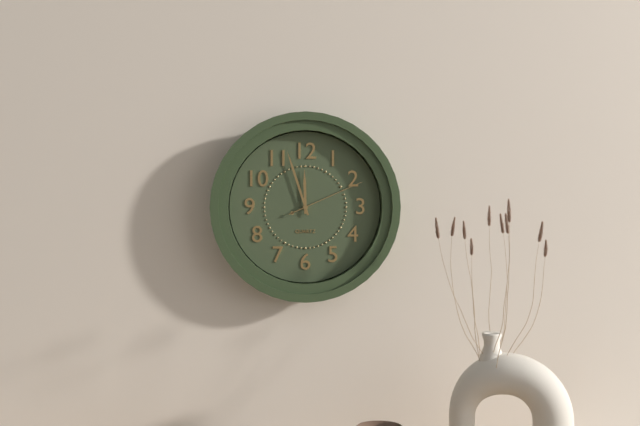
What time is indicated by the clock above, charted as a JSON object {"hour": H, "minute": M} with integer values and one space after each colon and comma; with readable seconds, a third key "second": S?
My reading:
{"hour": 11, "minute": 57, "second": 11}
